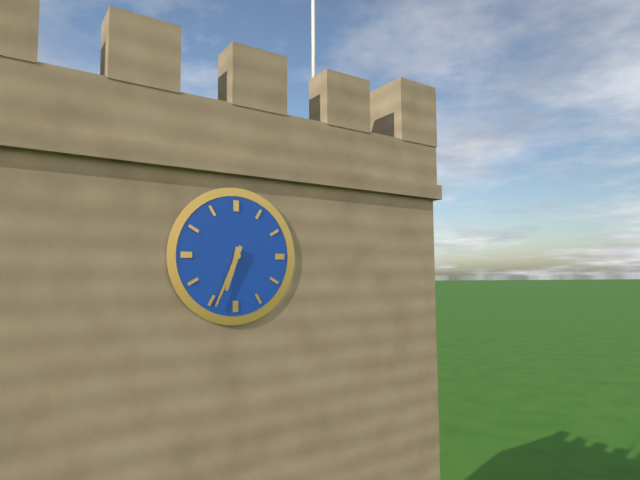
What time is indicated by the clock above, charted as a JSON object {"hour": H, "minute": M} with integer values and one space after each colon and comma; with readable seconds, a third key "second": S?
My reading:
{"hour": 6, "minute": 34}
